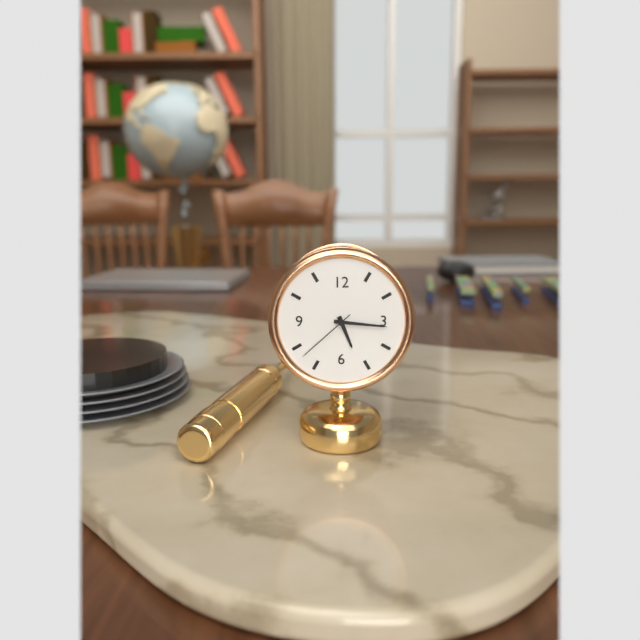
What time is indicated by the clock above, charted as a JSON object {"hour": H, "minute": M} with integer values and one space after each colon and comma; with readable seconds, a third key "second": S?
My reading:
{"hour": 5, "minute": 16, "second": 38}
